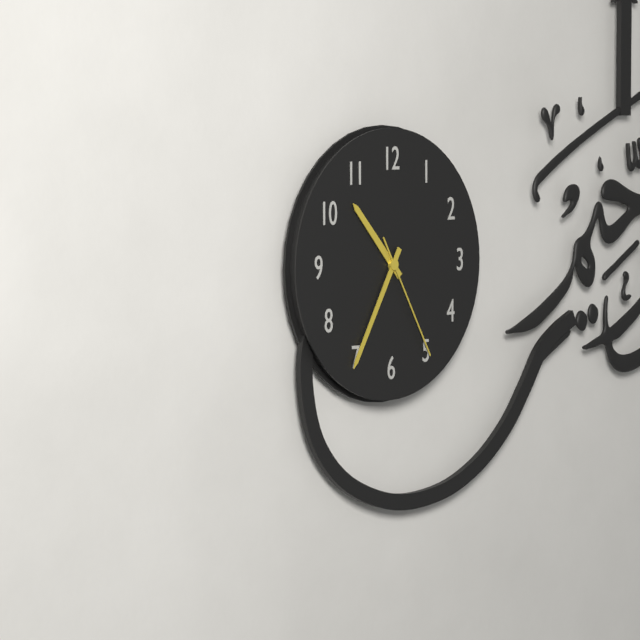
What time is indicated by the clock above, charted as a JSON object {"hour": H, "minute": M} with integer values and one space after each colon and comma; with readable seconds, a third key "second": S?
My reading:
{"hour": 10, "minute": 35, "second": 25}
